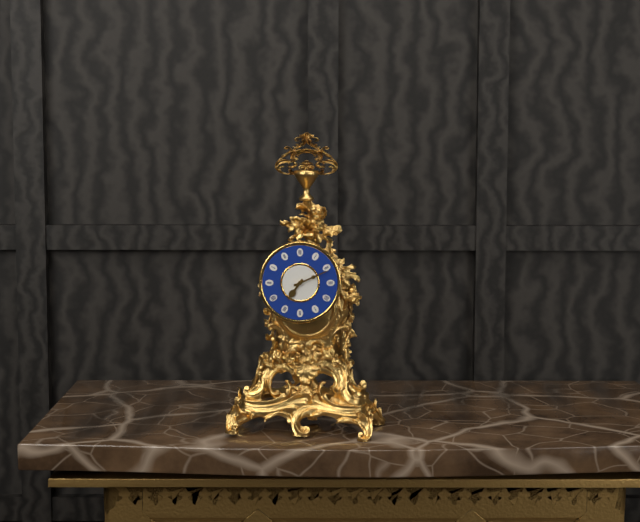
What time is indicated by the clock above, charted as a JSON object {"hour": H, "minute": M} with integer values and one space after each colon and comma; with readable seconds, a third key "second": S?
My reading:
{"hour": 7, "minute": 11}
